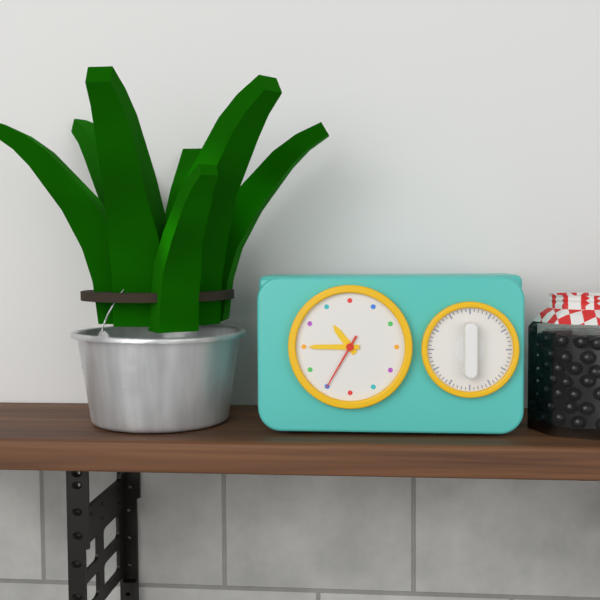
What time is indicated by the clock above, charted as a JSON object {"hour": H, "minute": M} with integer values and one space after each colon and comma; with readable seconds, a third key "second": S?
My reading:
{"hour": 10, "minute": 45, "second": 35}
